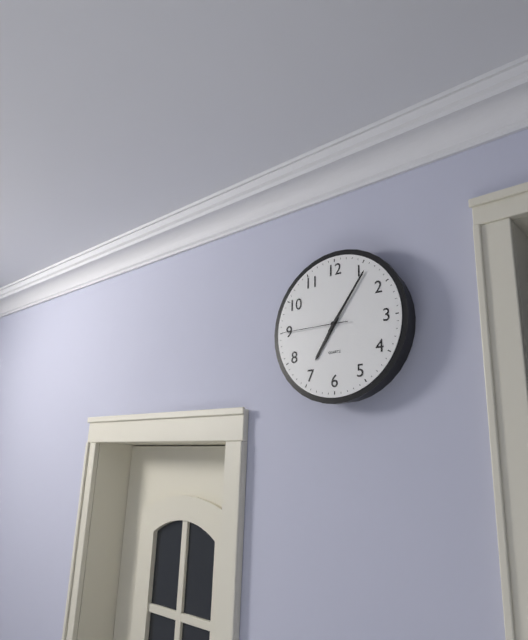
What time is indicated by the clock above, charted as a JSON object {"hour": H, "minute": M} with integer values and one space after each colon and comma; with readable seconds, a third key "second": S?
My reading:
{"hour": 7, "minute": 6, "second": 45}
